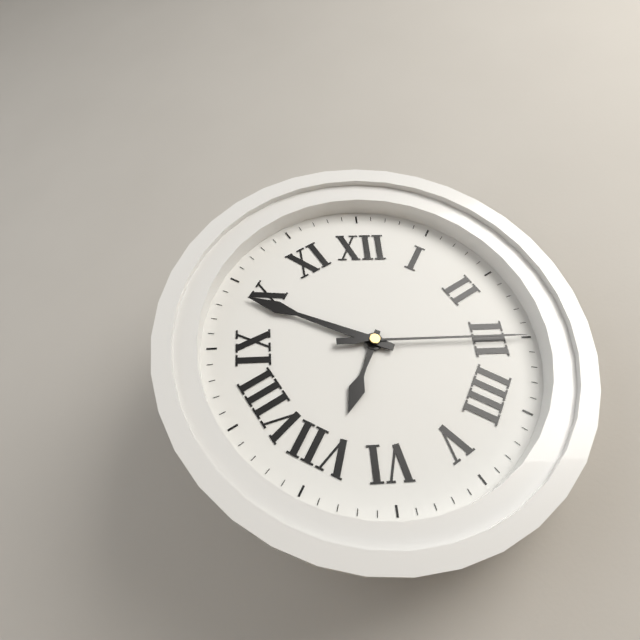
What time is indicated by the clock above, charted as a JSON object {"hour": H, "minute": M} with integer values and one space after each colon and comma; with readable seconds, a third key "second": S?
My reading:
{"hour": 6, "minute": 49, "second": 15}
